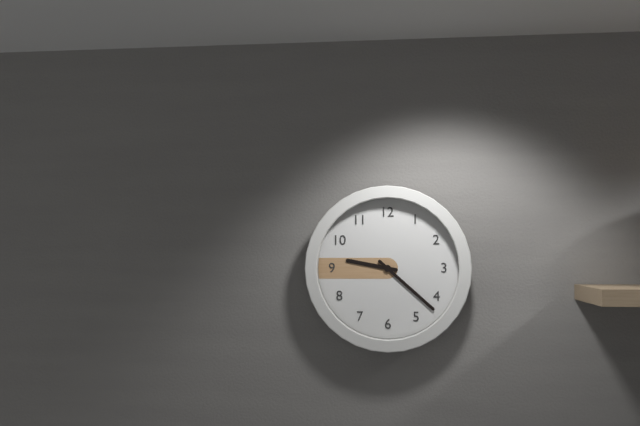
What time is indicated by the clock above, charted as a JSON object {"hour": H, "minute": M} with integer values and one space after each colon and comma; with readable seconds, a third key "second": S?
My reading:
{"hour": 9, "minute": 22}
